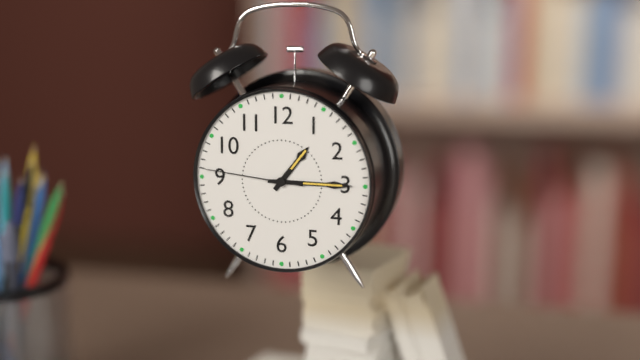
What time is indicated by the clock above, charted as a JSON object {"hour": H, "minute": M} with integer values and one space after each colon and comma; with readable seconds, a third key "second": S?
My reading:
{"hour": 1, "minute": 15, "second": 46}
